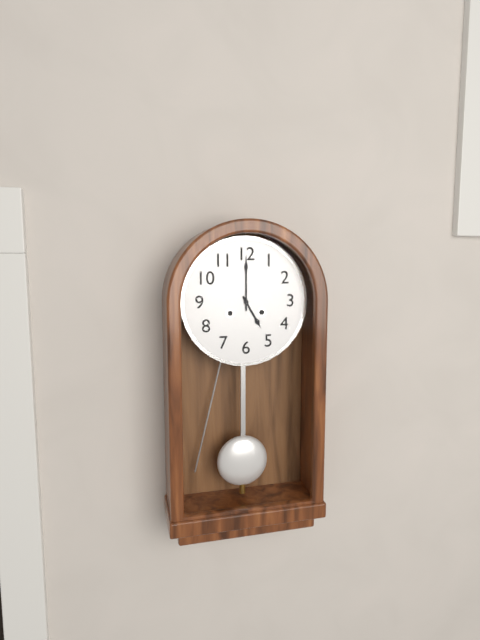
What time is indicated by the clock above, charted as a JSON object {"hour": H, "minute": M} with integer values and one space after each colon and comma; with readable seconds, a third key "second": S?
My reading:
{"hour": 5, "minute": 0}
